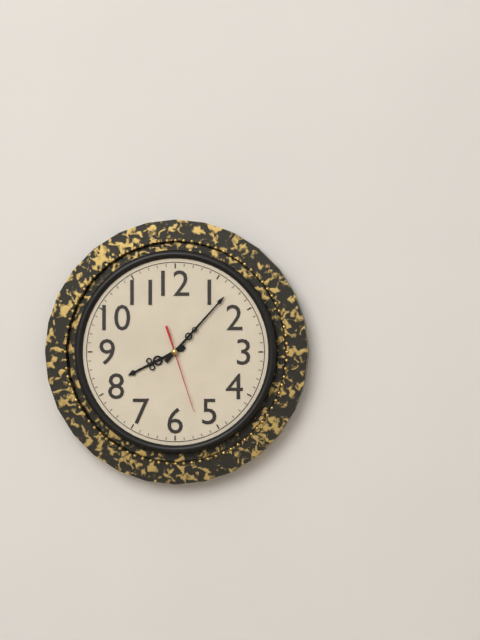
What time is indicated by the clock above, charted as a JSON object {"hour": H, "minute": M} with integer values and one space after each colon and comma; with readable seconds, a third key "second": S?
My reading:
{"hour": 8, "minute": 7, "second": 27}
